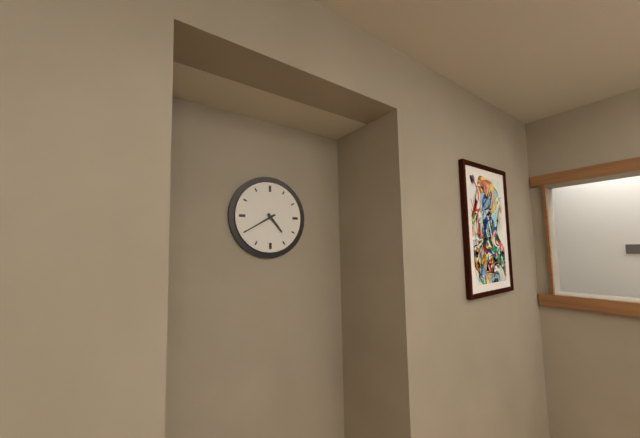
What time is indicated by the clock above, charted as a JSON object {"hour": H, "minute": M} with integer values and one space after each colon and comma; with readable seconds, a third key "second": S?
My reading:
{"hour": 4, "minute": 40}
